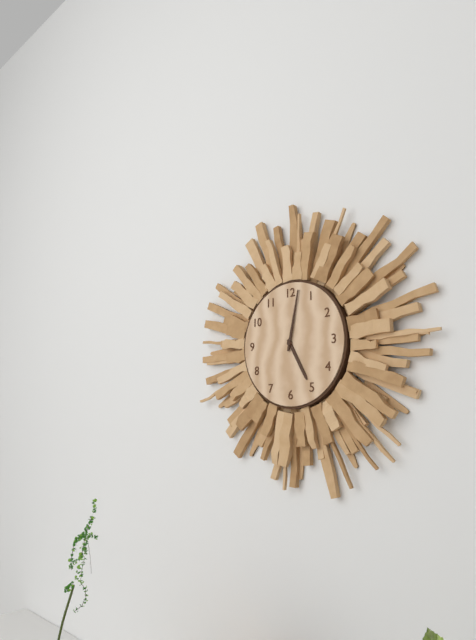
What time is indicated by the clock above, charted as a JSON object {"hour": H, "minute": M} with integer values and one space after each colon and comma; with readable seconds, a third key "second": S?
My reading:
{"hour": 5, "minute": 2}
